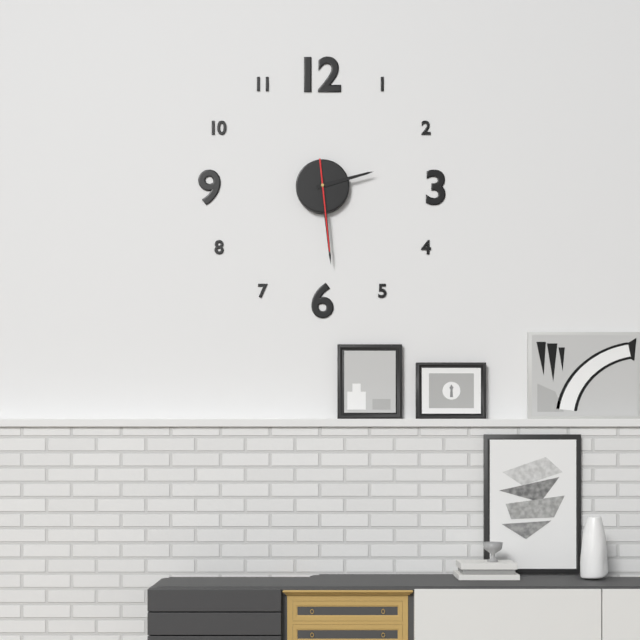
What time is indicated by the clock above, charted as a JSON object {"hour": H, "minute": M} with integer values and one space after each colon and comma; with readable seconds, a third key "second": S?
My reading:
{"hour": 2, "minute": 29, "second": 29}
